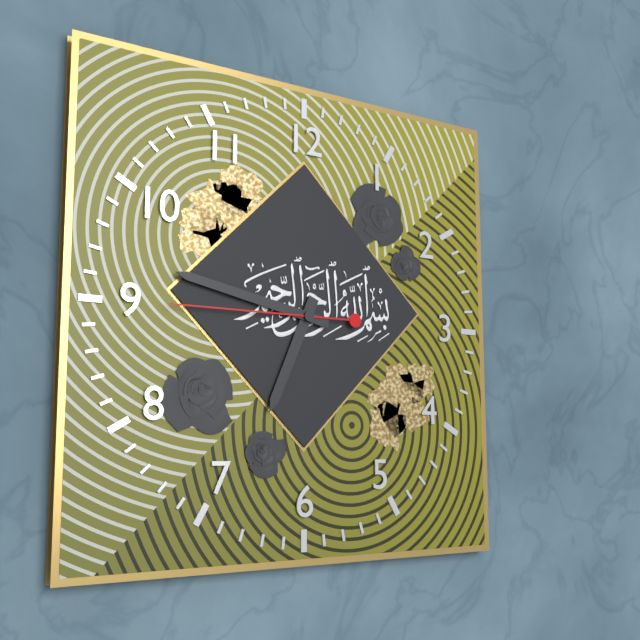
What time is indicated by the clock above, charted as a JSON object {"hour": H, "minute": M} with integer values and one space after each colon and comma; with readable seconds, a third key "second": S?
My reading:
{"hour": 6, "minute": 47, "second": 45}
